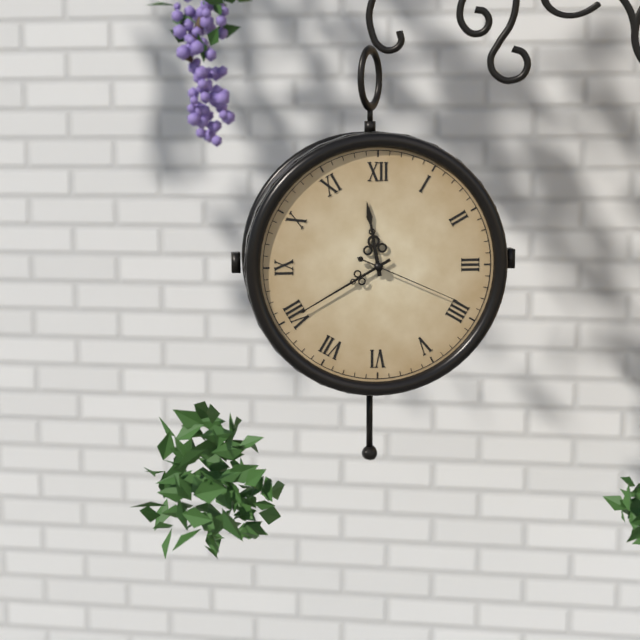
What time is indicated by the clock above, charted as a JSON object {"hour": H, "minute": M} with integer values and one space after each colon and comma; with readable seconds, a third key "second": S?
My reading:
{"hour": 11, "minute": 40, "second": 19}
